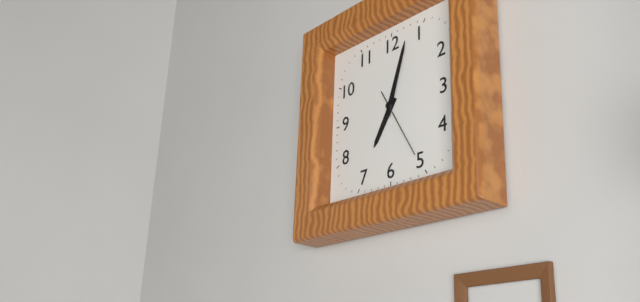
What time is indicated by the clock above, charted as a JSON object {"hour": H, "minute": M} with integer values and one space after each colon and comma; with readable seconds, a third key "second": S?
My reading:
{"hour": 7, "minute": 3, "second": 25}
